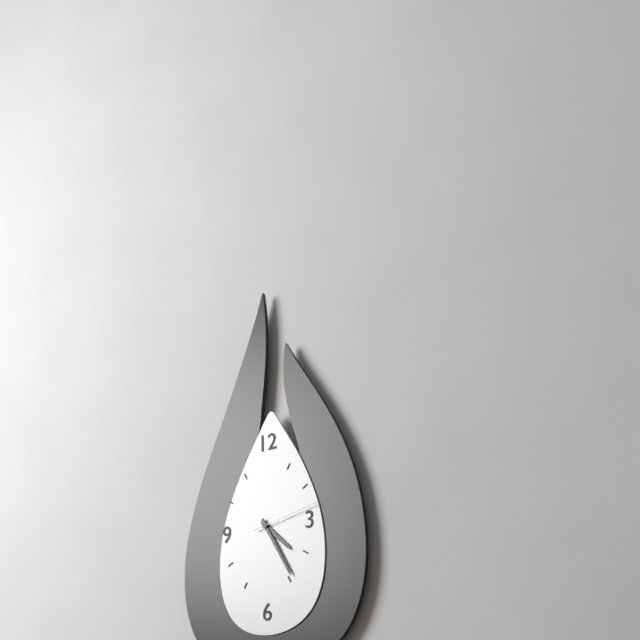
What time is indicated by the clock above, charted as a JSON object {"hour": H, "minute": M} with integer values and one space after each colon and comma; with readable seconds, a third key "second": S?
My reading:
{"hour": 4, "minute": 25, "second": 13}
